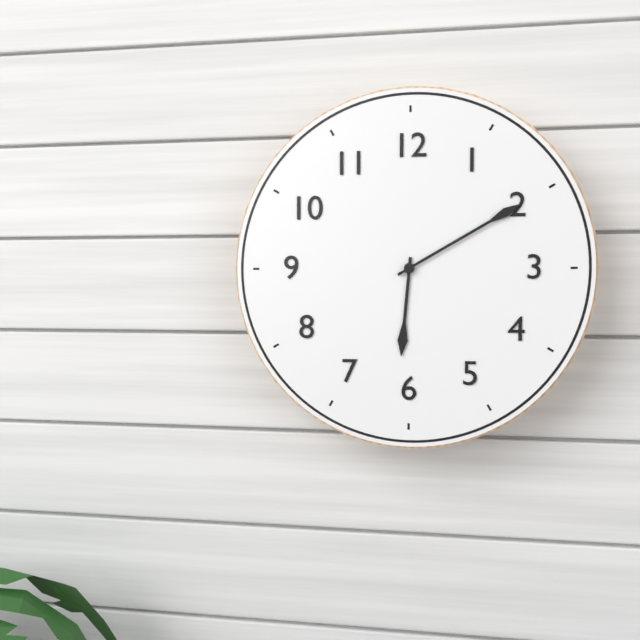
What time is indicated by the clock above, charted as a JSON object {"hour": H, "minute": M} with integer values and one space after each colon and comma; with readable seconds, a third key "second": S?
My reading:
{"hour": 6, "minute": 10}
